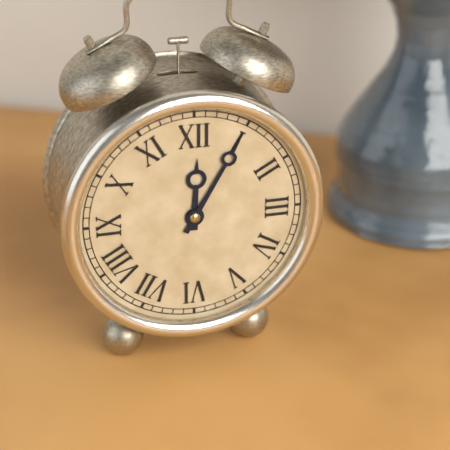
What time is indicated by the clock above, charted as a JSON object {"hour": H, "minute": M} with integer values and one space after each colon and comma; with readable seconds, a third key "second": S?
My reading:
{"hour": 12, "minute": 5}
